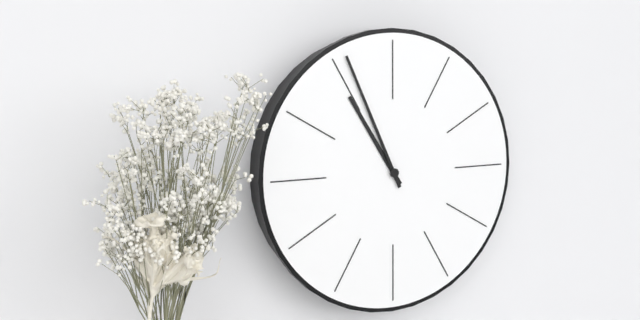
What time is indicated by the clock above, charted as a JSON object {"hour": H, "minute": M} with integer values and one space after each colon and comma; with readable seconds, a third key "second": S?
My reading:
{"hour": 10, "minute": 56}
